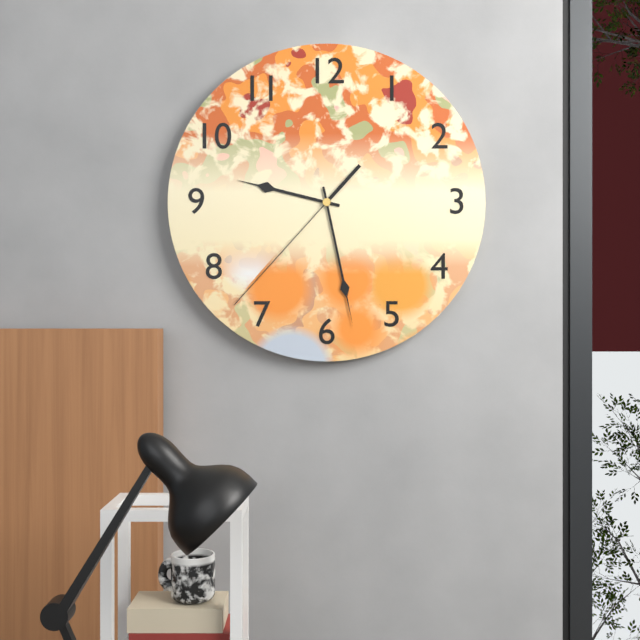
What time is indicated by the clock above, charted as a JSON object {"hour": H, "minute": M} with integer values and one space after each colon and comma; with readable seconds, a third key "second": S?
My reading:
{"hour": 9, "minute": 28, "second": 37}
